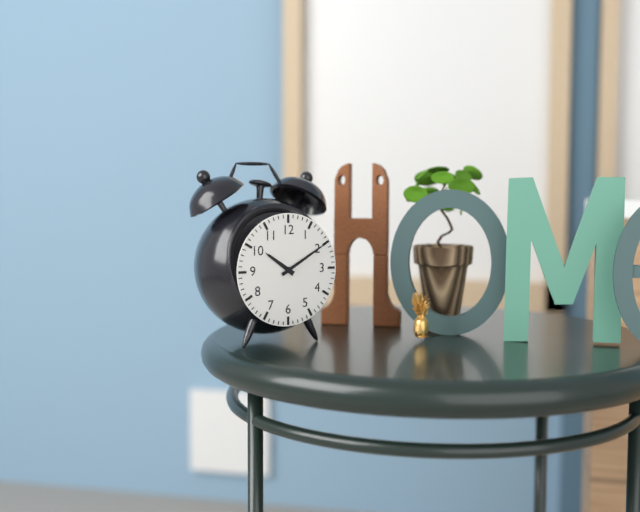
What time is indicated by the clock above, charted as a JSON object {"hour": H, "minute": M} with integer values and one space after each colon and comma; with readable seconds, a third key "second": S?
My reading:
{"hour": 10, "minute": 10}
